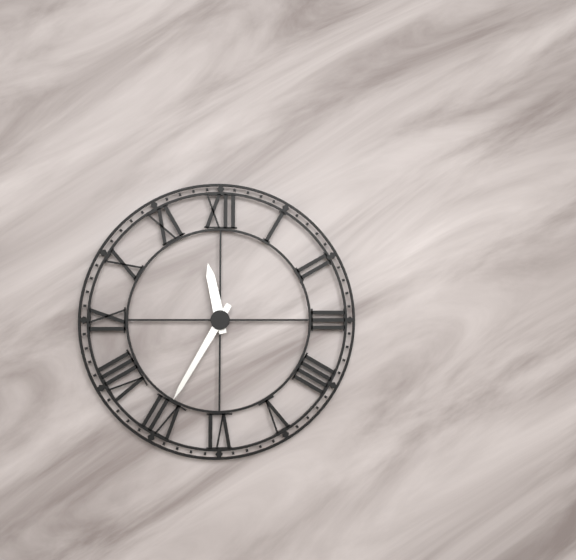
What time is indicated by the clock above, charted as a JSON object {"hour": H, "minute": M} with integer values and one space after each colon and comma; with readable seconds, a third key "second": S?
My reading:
{"hour": 11, "minute": 35}
